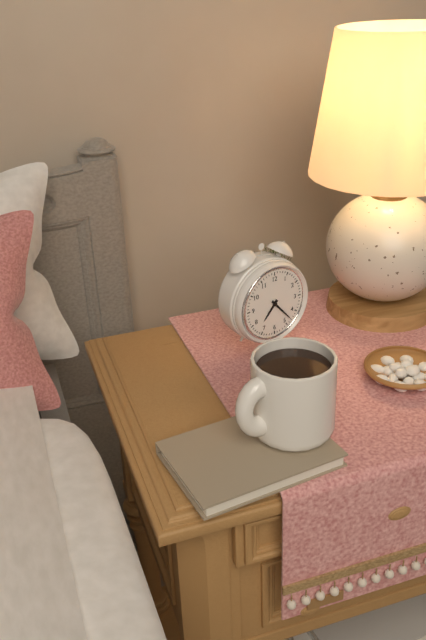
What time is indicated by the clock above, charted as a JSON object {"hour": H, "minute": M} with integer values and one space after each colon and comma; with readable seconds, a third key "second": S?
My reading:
{"hour": 7, "minute": 23}
